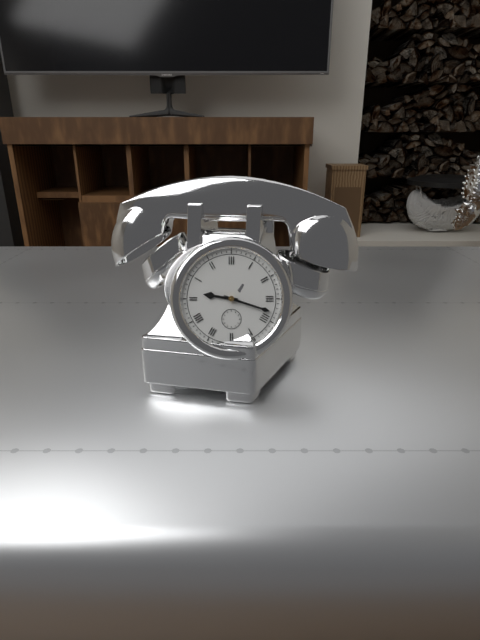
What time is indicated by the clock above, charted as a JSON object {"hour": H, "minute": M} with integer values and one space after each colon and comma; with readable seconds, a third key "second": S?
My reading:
{"hour": 9, "minute": 18}
